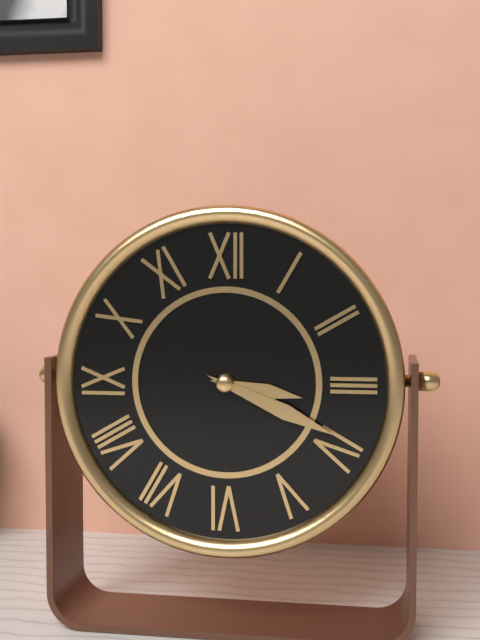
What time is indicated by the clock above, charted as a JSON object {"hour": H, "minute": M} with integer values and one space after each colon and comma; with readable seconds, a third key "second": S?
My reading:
{"hour": 3, "minute": 19}
